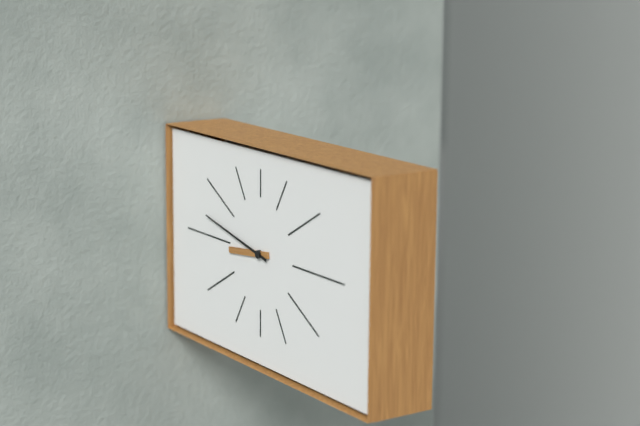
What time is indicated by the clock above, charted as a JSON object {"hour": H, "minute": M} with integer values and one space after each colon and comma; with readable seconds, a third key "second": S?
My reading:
{"hour": 8, "minute": 47}
